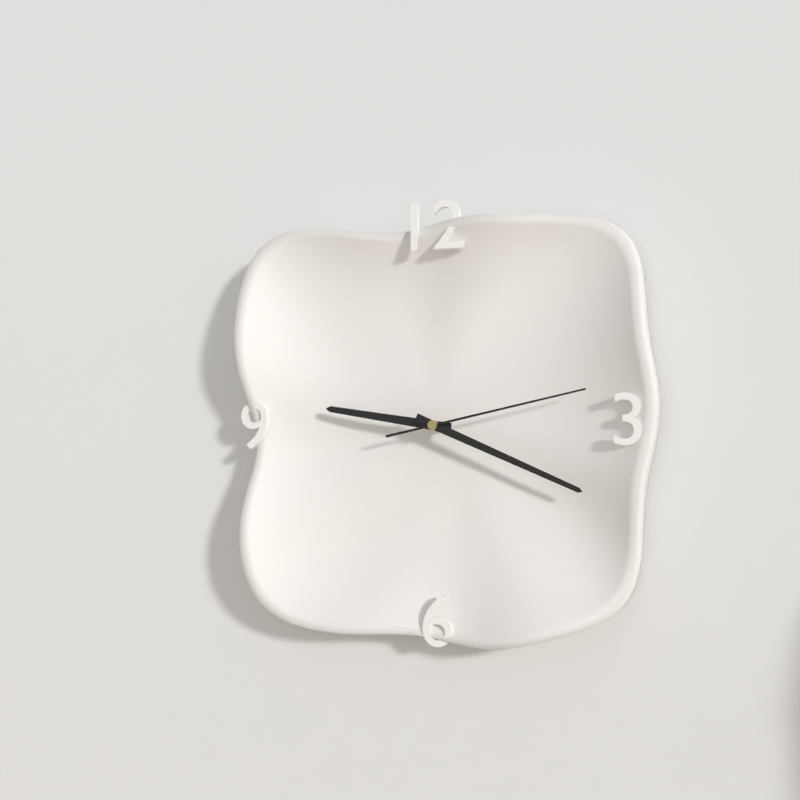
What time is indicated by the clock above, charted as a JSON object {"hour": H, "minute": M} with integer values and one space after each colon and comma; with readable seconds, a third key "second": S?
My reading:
{"hour": 9, "minute": 19, "second": 13}
